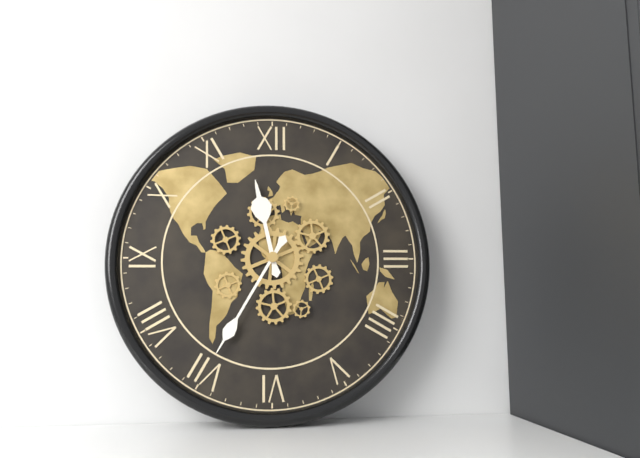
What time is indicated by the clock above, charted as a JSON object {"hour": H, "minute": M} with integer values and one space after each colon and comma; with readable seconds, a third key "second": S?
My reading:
{"hour": 11, "minute": 35}
